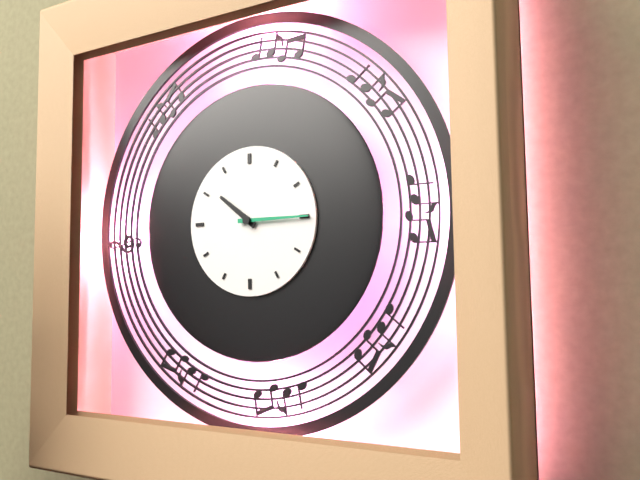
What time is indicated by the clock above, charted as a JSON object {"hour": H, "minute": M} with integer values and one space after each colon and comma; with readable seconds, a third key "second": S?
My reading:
{"hour": 10, "minute": 15}
